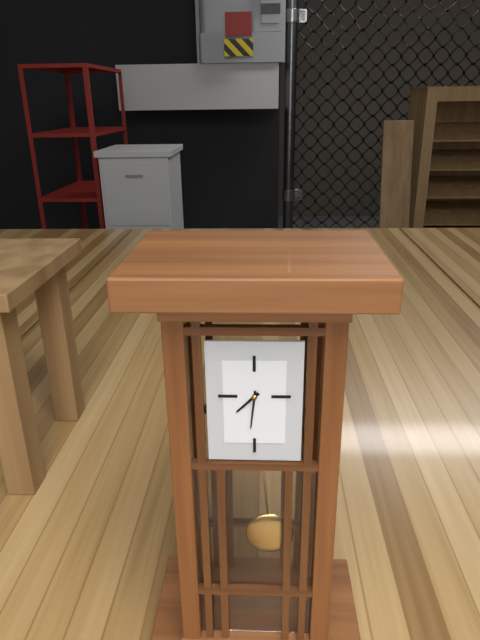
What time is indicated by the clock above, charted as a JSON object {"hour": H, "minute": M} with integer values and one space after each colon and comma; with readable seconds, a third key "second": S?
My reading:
{"hour": 7, "minute": 31}
